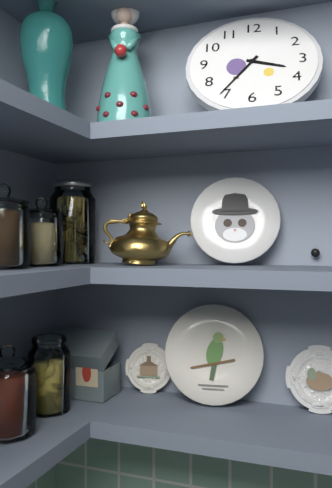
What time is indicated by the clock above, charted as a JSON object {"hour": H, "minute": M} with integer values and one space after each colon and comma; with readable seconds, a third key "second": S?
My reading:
{"hour": 3, "minute": 36}
